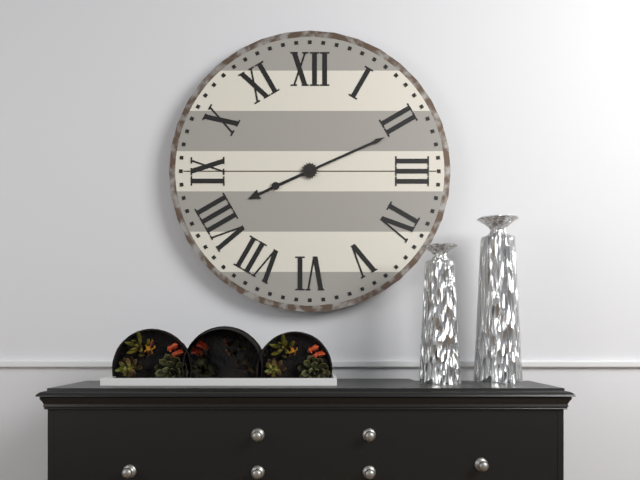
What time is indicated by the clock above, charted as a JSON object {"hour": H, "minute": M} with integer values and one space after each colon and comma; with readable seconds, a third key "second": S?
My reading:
{"hour": 8, "minute": 11}
